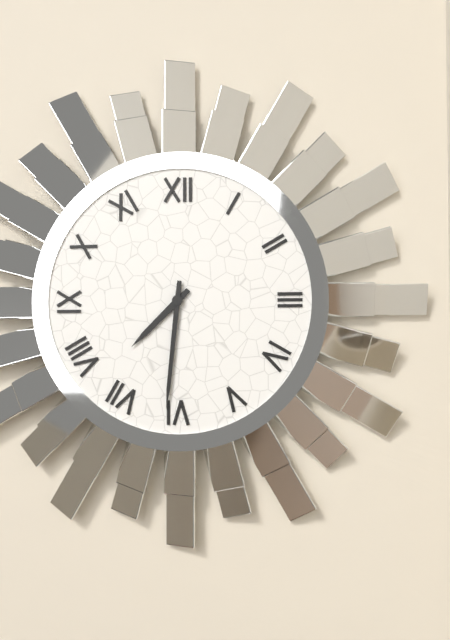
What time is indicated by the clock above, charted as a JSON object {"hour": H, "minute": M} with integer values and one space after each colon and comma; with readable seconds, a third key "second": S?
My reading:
{"hour": 7, "minute": 31}
